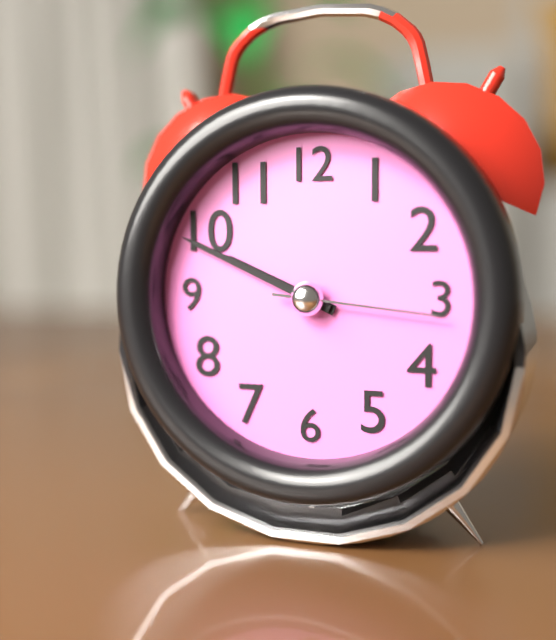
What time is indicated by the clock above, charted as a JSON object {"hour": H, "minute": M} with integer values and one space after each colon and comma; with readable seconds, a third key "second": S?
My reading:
{"hour": 9, "minute": 49, "second": 16}
